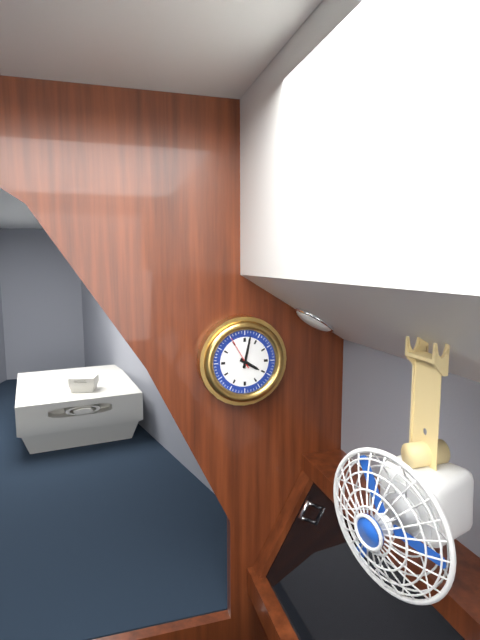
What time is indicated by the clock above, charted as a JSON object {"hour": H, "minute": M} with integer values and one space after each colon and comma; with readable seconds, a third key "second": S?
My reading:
{"hour": 4, "minute": 2}
